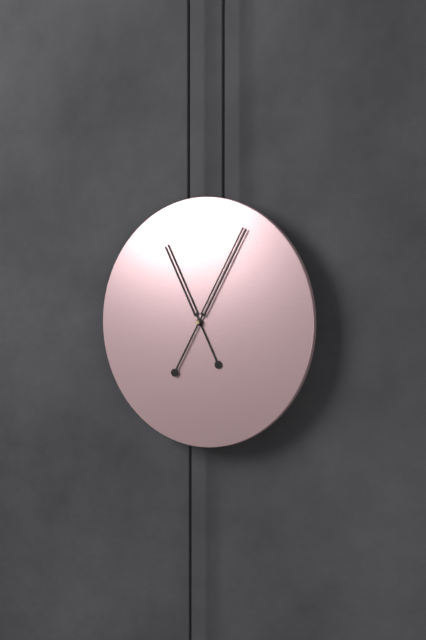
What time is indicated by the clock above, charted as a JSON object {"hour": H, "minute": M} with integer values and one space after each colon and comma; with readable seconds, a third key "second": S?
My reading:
{"hour": 11, "minute": 5}
